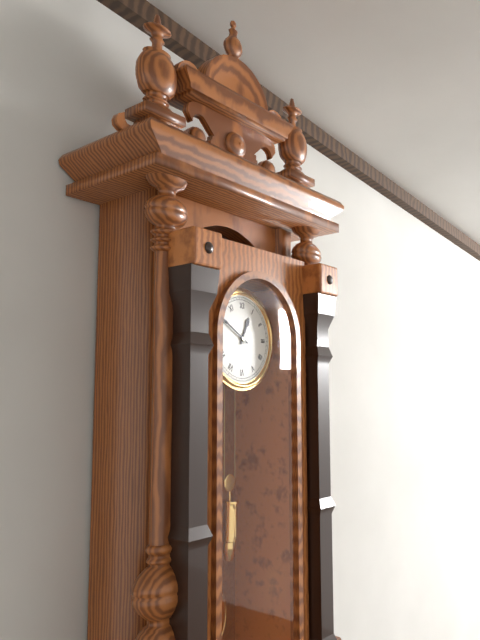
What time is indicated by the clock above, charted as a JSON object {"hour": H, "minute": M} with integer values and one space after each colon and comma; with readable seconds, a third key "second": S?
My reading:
{"hour": 12, "minute": 50}
